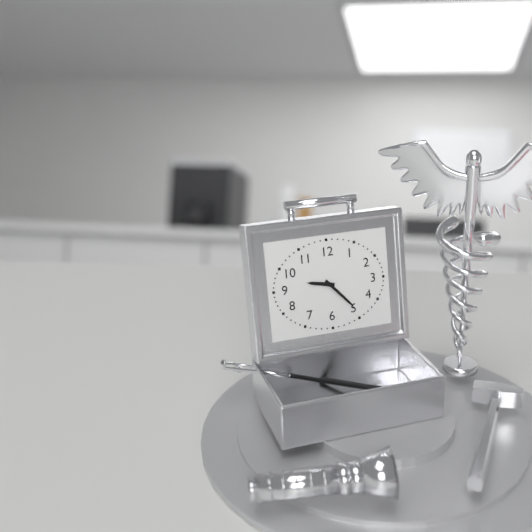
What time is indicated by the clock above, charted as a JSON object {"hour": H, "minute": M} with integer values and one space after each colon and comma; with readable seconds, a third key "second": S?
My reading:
{"hour": 9, "minute": 23}
